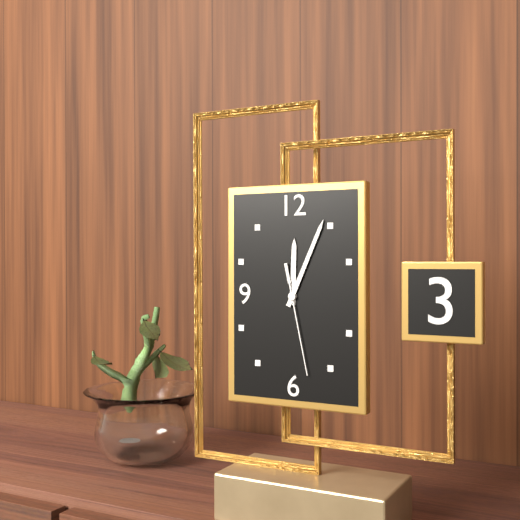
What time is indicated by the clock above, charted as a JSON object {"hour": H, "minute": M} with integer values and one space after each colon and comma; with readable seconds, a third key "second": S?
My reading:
{"hour": 12, "minute": 4, "second": 28}
